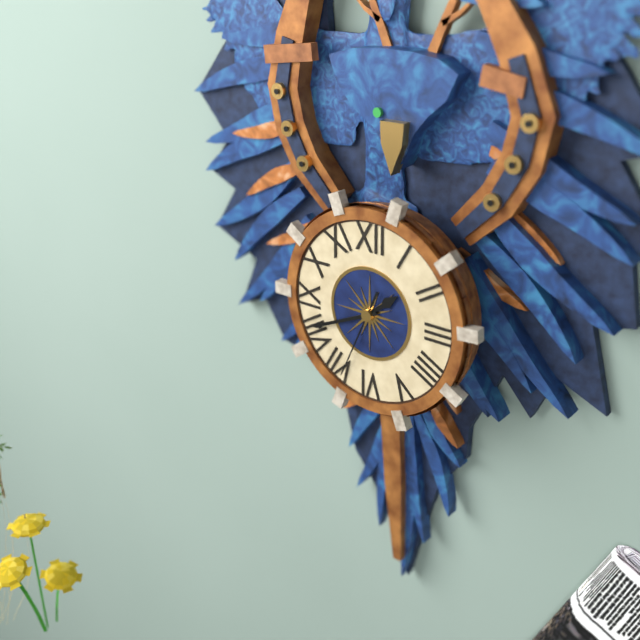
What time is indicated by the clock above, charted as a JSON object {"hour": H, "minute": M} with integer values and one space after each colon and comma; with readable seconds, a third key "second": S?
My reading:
{"hour": 1, "minute": 41, "second": 34}
